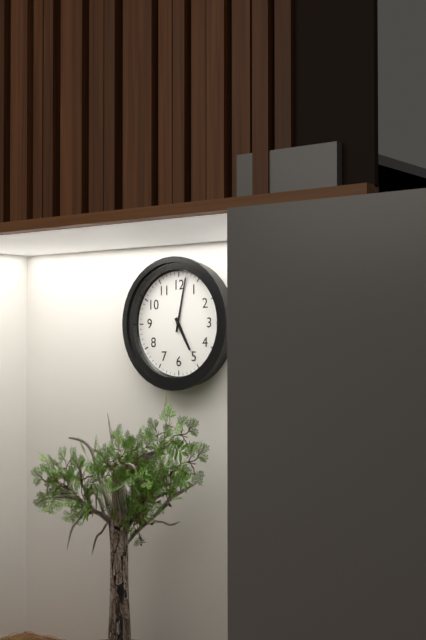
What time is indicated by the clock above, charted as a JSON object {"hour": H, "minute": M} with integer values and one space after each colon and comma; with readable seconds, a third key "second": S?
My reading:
{"hour": 5, "minute": 2}
